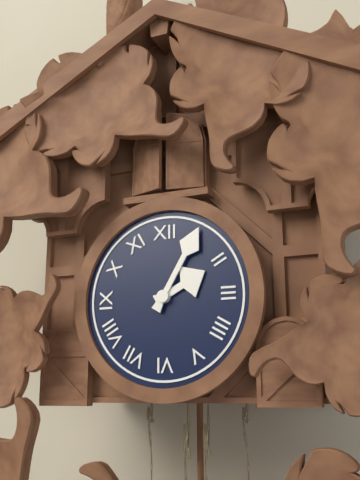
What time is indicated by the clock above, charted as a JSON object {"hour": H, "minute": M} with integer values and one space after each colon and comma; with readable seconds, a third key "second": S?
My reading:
{"hour": 2, "minute": 5}
